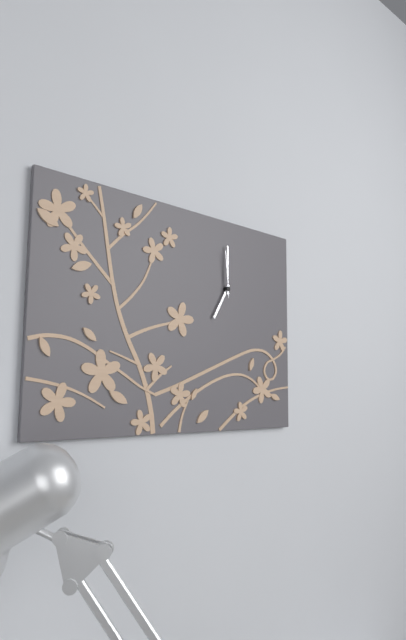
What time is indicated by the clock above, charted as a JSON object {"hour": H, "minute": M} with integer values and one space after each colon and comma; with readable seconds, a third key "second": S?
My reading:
{"hour": 7, "minute": 0}
